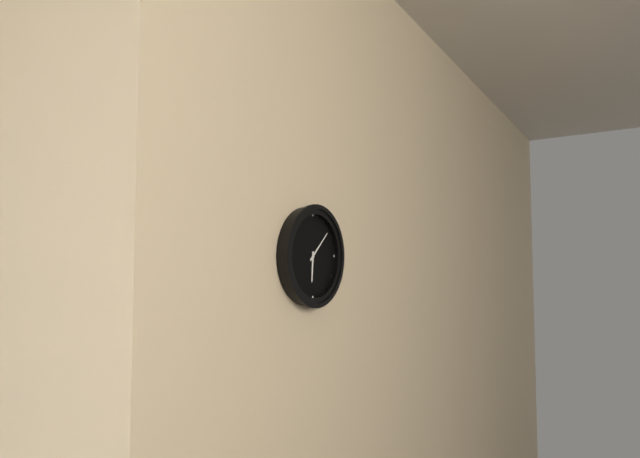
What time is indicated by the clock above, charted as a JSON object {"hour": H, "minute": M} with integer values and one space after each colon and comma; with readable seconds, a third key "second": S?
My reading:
{"hour": 6, "minute": 8}
